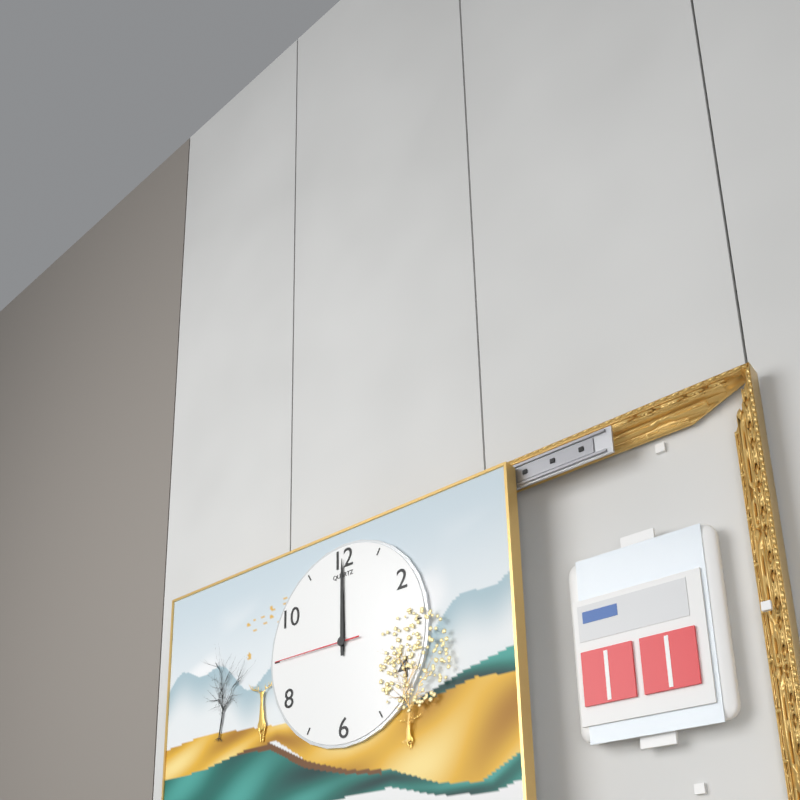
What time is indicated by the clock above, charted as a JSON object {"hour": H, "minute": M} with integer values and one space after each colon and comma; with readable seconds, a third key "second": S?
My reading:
{"hour": 12, "minute": 0, "second": 45}
